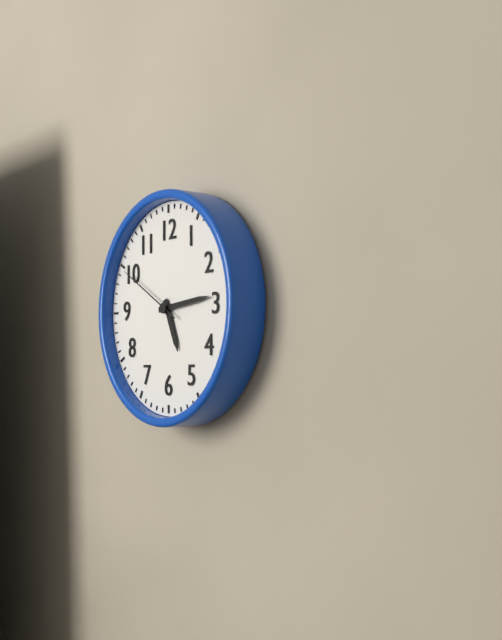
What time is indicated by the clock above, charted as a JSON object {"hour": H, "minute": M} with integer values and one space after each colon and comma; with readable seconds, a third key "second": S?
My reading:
{"hour": 5, "minute": 14, "second": 50}
